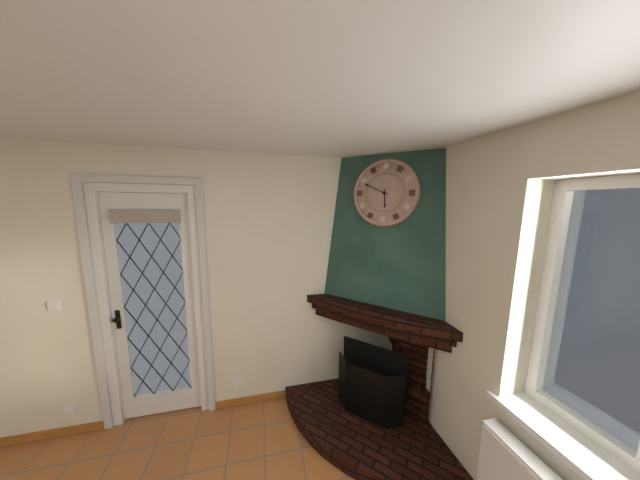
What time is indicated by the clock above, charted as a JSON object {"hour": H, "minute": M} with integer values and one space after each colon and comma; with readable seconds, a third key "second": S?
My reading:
{"hour": 5, "minute": 49}
